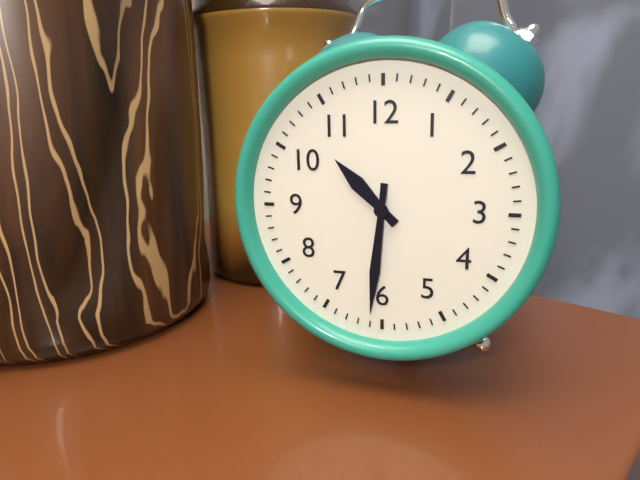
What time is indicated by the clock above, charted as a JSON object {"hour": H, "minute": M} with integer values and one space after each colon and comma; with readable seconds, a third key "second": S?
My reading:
{"hour": 10, "minute": 31}
